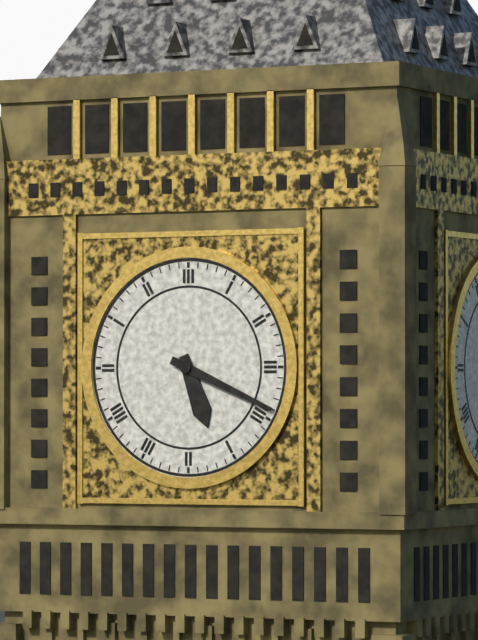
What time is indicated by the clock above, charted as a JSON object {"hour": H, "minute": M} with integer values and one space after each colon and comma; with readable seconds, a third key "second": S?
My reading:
{"hour": 5, "minute": 19}
